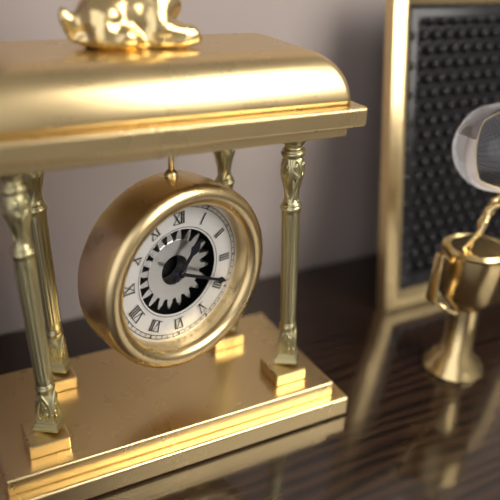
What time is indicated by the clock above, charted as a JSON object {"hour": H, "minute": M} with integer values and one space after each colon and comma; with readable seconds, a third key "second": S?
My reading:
{"hour": 1, "minute": 19}
